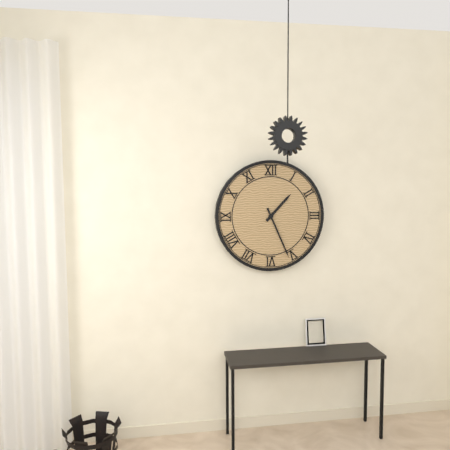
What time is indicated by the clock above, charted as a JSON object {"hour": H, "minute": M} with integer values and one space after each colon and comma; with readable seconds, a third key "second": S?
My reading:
{"hour": 1, "minute": 26}
